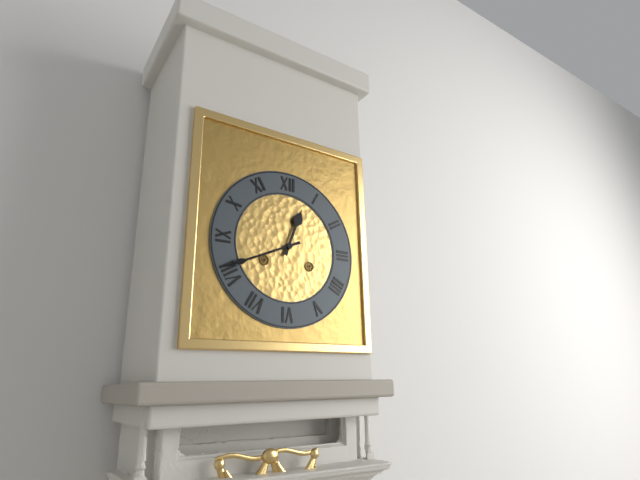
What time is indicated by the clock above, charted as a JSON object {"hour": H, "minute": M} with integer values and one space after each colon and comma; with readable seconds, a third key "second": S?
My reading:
{"hour": 12, "minute": 41}
